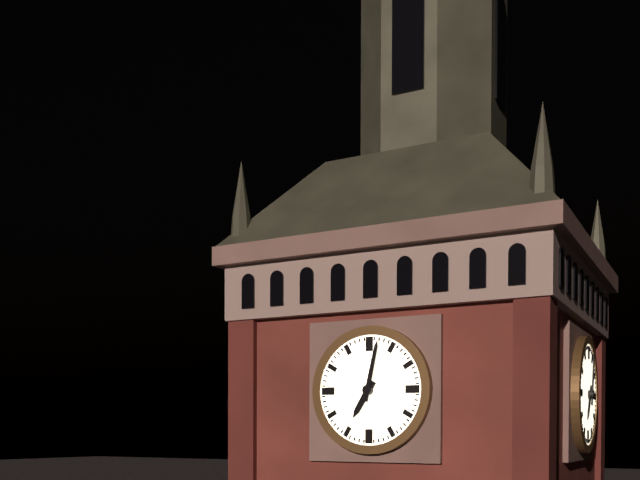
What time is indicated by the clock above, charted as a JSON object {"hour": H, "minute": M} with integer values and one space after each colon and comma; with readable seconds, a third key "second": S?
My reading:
{"hour": 7, "minute": 2}
